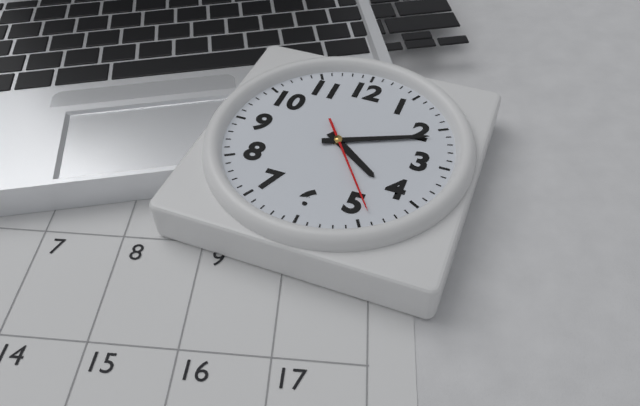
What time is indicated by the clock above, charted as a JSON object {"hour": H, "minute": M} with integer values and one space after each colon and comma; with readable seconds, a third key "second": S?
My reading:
{"hour": 4, "minute": 11, "second": 24}
